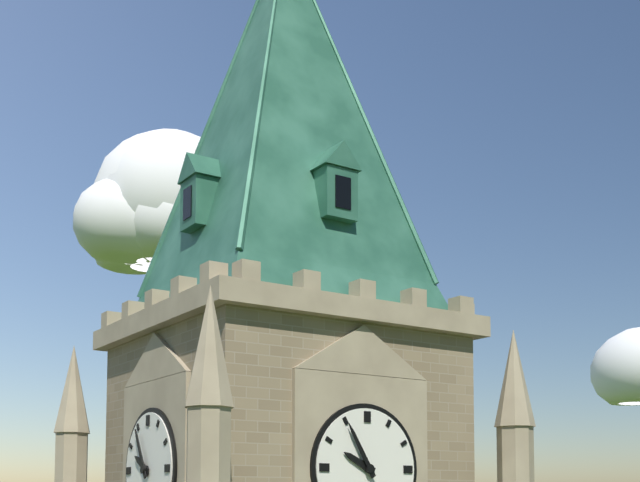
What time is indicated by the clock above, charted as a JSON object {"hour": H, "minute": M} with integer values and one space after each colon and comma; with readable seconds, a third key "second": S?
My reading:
{"hour": 9, "minute": 55}
